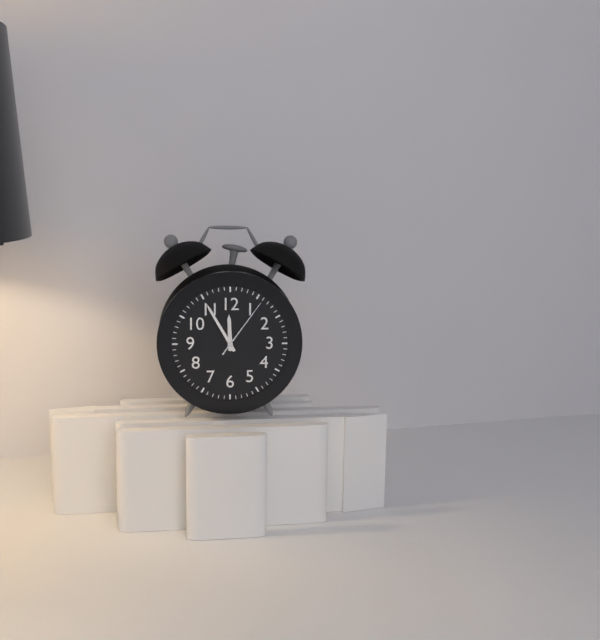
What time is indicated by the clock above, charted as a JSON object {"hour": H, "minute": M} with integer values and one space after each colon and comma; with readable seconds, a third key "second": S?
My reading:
{"hour": 11, "minute": 55, "second": 6}
